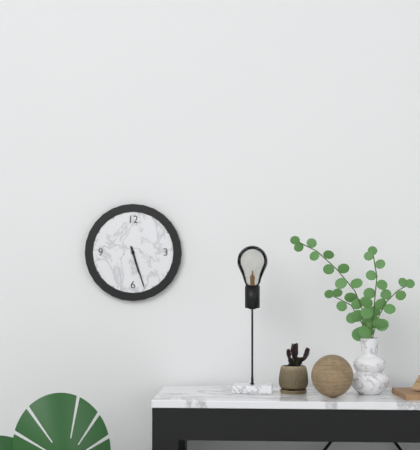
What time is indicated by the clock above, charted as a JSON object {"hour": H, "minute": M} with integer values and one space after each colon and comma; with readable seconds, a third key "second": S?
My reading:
{"hour": 5, "minute": 27}
